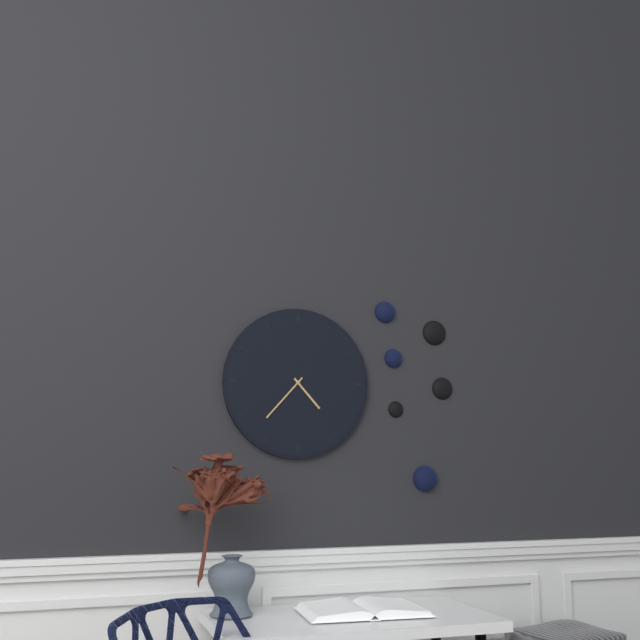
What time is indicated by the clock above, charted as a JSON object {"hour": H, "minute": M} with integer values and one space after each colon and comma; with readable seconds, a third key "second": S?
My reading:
{"hour": 4, "minute": 37}
